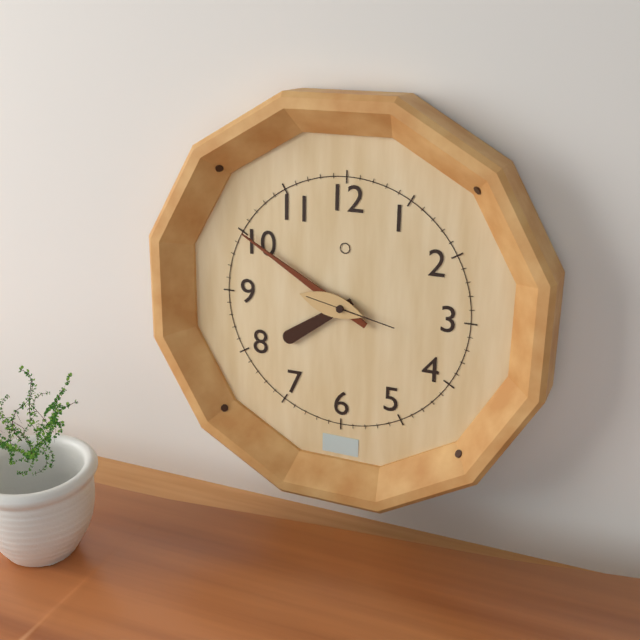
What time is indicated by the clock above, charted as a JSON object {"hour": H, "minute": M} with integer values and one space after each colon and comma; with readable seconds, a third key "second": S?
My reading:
{"hour": 7, "minute": 50, "second": 17}
